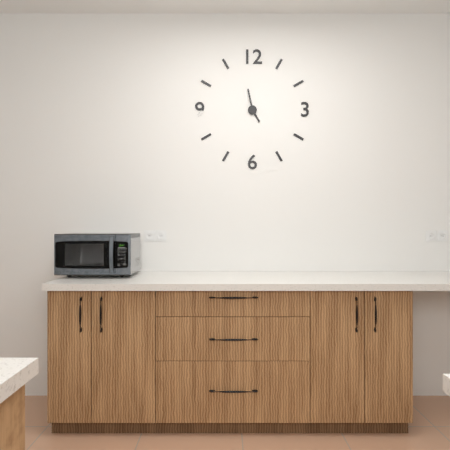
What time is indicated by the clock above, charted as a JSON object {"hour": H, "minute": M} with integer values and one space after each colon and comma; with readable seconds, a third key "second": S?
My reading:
{"hour": 4, "minute": 58}
